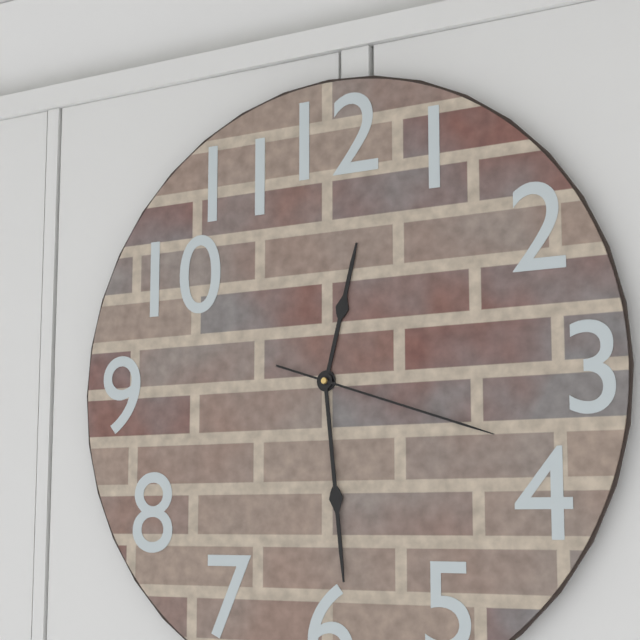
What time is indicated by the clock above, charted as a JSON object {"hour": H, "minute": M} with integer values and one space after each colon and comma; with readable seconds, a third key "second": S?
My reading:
{"hour": 12, "minute": 29, "second": 18}
